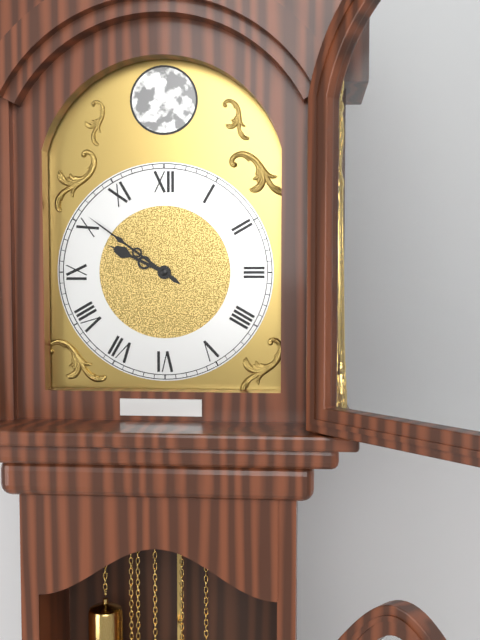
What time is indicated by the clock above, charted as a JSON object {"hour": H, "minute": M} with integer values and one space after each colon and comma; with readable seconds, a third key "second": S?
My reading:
{"hour": 9, "minute": 51}
